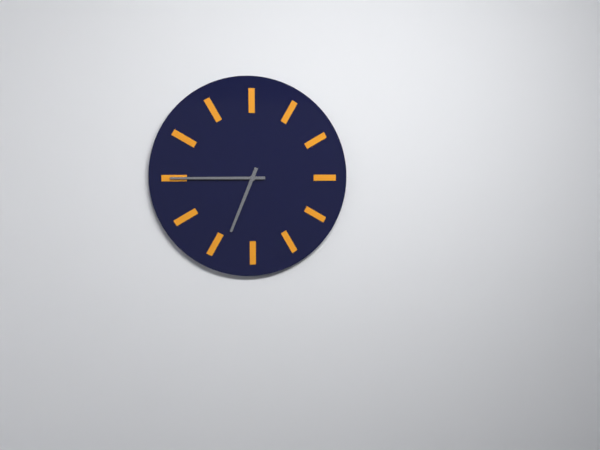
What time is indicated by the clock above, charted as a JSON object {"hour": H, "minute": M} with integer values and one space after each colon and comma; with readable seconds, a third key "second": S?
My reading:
{"hour": 6, "minute": 45}
